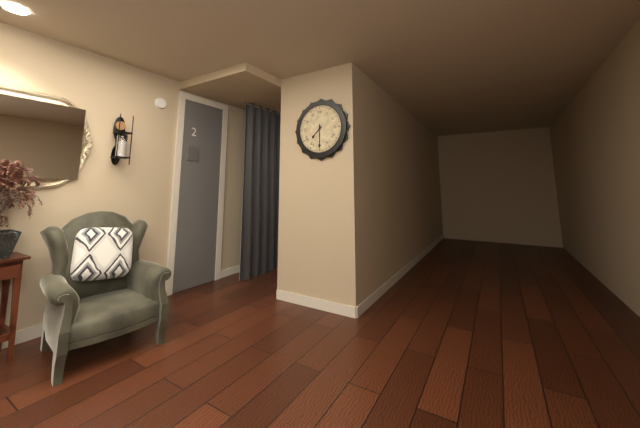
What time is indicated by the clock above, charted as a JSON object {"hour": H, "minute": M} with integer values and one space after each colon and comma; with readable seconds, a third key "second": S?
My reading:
{"hour": 7, "minute": 30}
